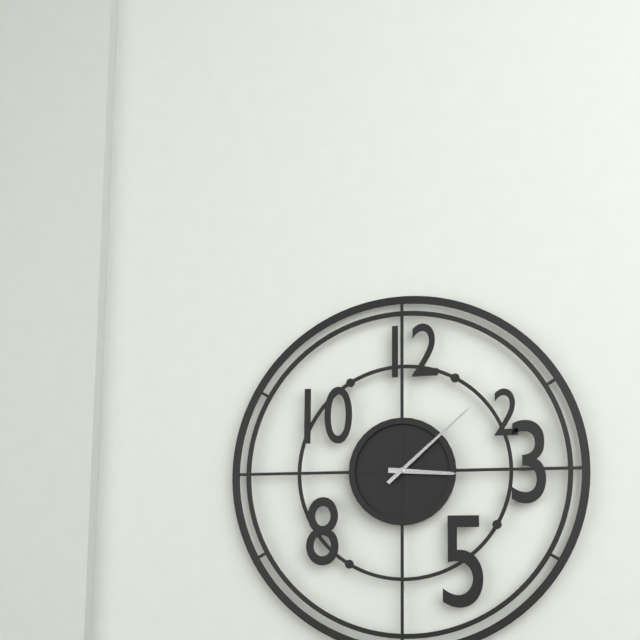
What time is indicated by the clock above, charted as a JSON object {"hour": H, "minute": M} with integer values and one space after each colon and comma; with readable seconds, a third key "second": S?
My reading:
{"hour": 3, "minute": 8}
